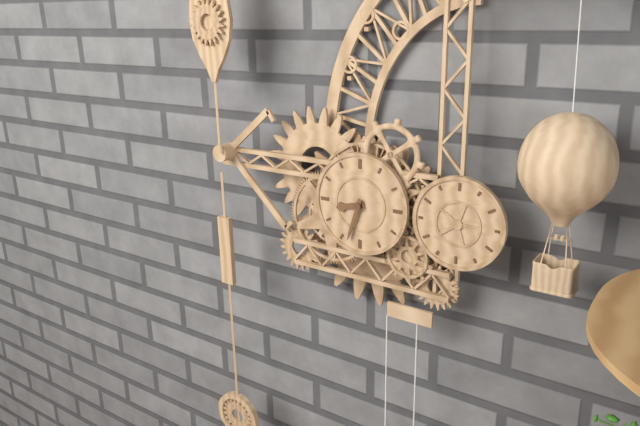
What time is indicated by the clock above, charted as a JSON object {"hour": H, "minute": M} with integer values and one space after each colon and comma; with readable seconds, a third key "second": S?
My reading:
{"hour": 8, "minute": 33}
